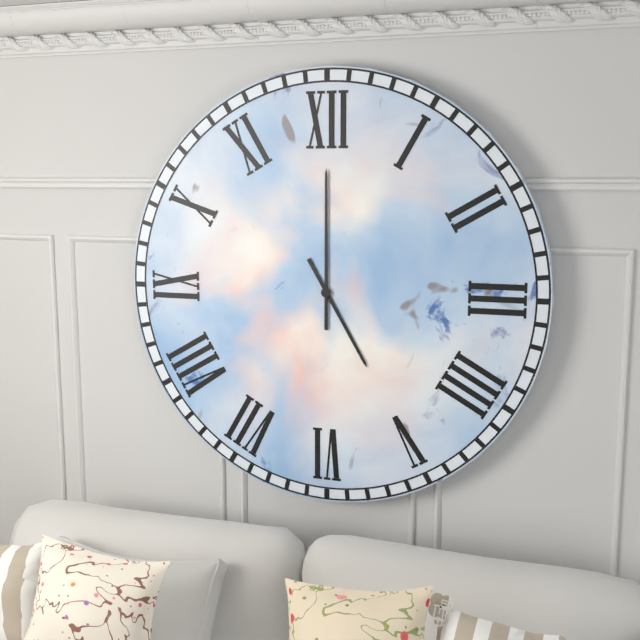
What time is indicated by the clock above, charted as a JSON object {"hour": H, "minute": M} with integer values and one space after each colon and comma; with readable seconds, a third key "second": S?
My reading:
{"hour": 5, "minute": 0}
